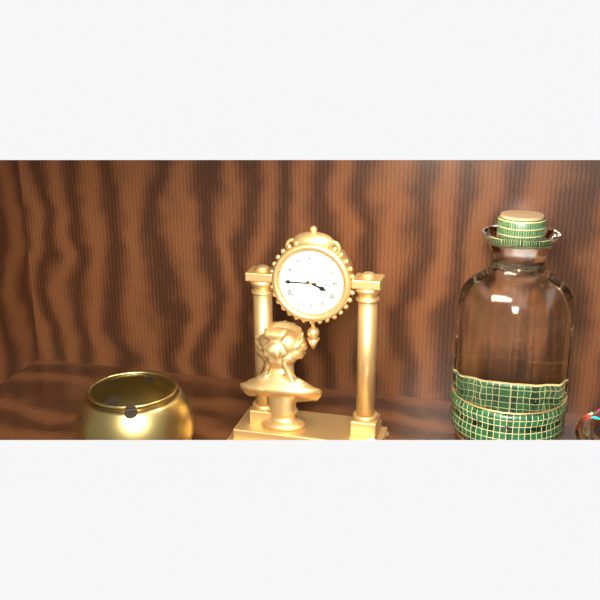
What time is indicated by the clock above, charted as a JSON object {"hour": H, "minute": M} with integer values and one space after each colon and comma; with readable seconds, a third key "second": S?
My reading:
{"hour": 3, "minute": 45}
